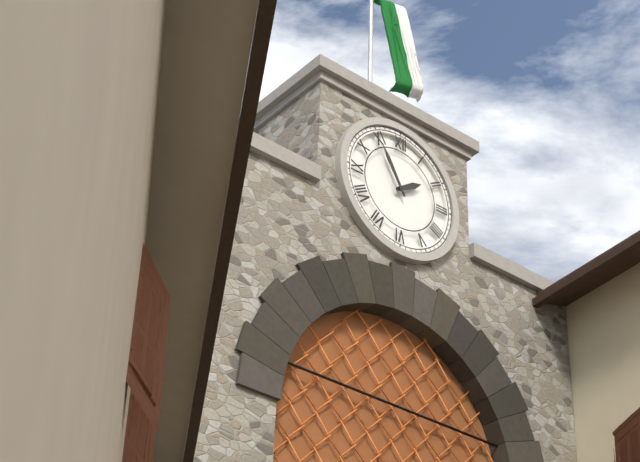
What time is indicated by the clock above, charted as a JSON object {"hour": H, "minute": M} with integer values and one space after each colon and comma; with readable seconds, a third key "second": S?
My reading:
{"hour": 1, "minute": 55}
